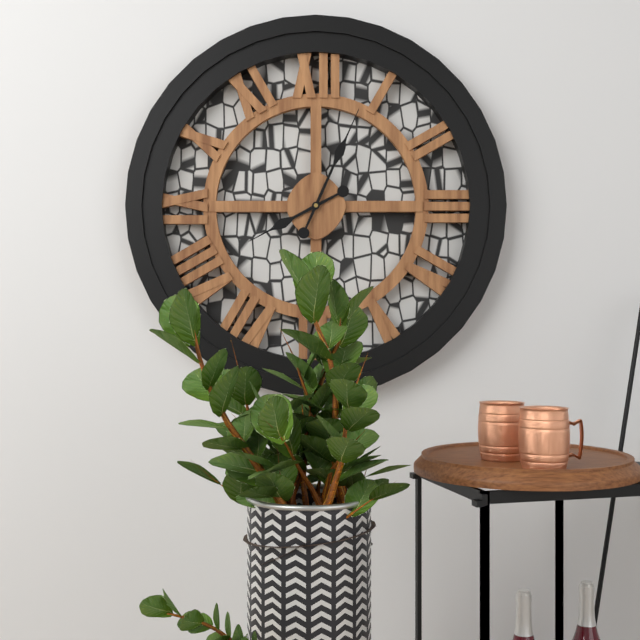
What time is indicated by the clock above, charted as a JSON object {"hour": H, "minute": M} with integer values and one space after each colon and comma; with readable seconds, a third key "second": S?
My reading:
{"hour": 8, "minute": 4}
